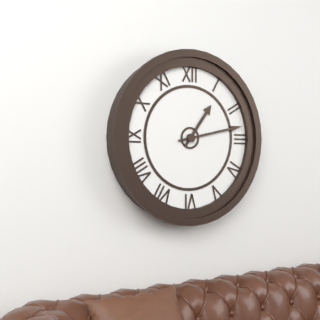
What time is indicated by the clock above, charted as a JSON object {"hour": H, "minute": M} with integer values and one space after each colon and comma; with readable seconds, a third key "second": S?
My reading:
{"hour": 1, "minute": 13}
